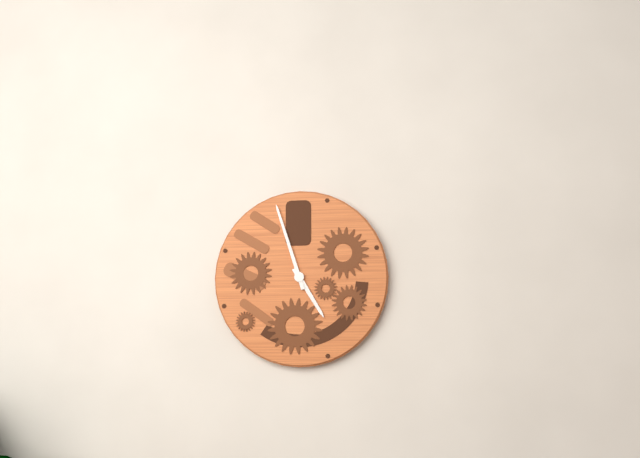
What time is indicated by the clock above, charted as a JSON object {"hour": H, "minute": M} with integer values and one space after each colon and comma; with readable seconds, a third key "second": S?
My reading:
{"hour": 4, "minute": 57}
